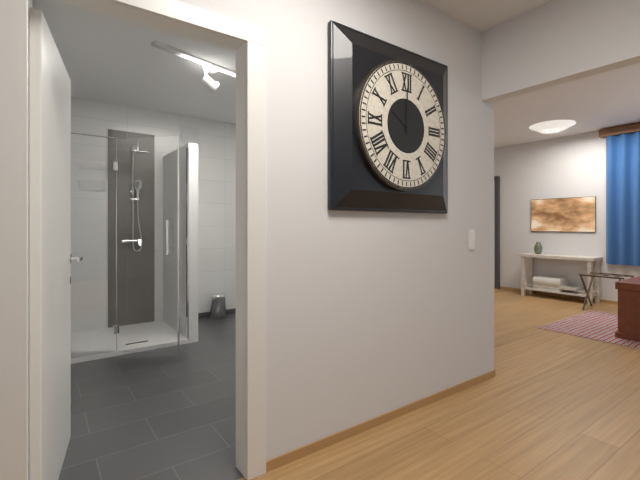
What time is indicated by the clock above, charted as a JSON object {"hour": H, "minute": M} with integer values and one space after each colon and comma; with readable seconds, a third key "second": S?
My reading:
{"hour": 10, "minute": 0}
